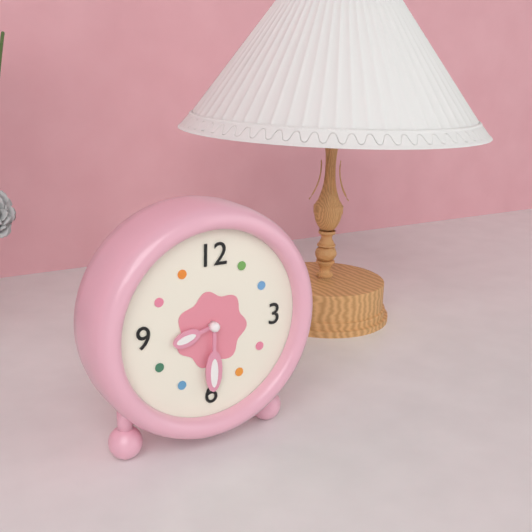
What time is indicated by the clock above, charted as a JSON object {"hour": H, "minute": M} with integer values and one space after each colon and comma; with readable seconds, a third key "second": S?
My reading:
{"hour": 8, "minute": 30}
